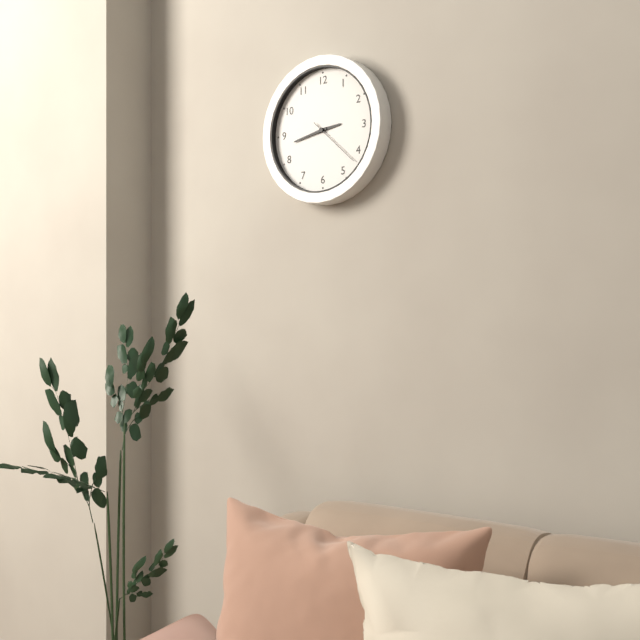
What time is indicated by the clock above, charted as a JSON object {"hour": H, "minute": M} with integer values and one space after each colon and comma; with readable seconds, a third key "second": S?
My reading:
{"hour": 2, "minute": 43, "second": 22}
